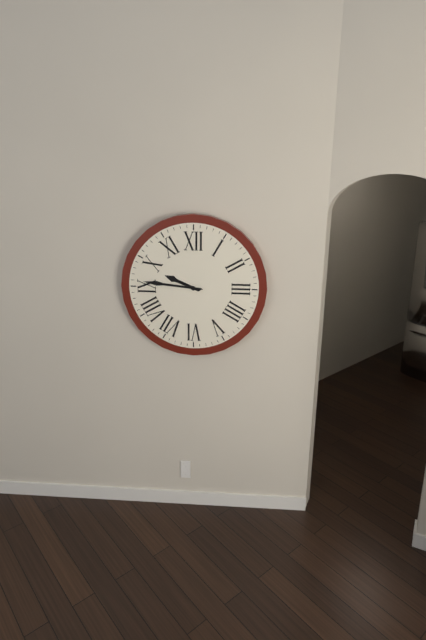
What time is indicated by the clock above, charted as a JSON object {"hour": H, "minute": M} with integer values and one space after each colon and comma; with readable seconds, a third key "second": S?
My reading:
{"hour": 9, "minute": 46}
